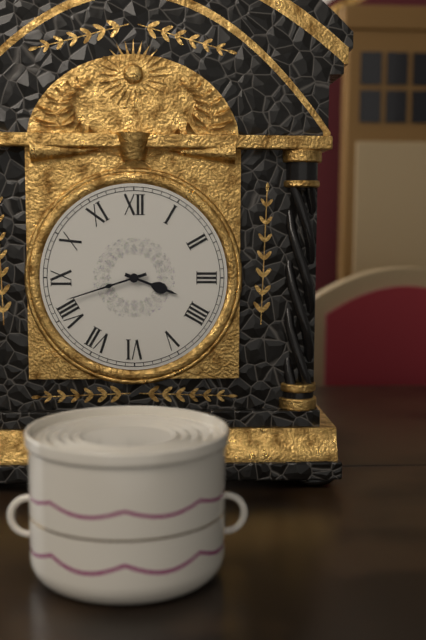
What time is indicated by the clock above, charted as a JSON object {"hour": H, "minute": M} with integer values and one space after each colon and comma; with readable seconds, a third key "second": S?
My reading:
{"hour": 3, "minute": 42}
